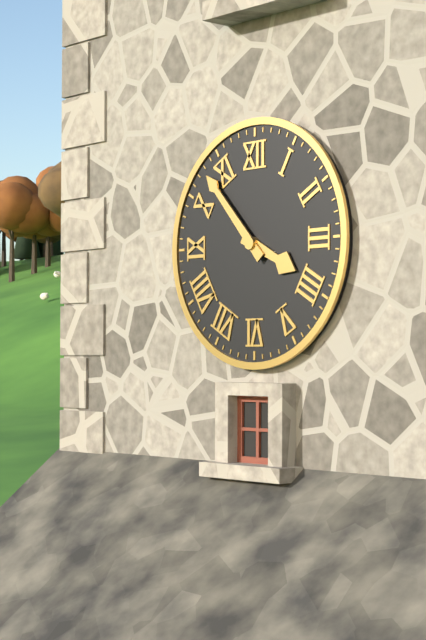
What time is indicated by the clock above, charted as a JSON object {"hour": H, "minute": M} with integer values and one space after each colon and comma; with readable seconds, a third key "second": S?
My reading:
{"hour": 3, "minute": 53}
